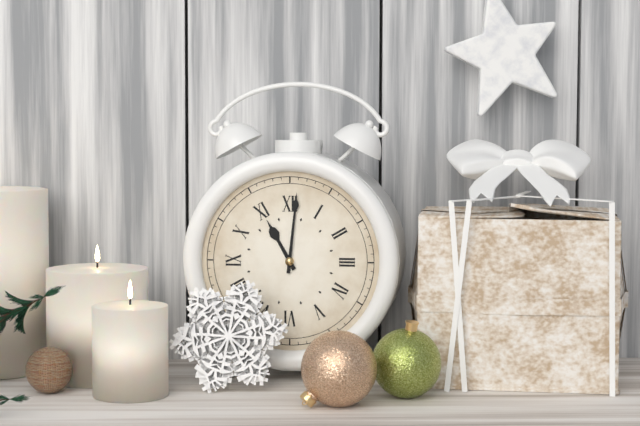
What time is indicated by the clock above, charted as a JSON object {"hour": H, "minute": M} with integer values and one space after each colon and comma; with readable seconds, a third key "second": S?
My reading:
{"hour": 11, "minute": 1}
